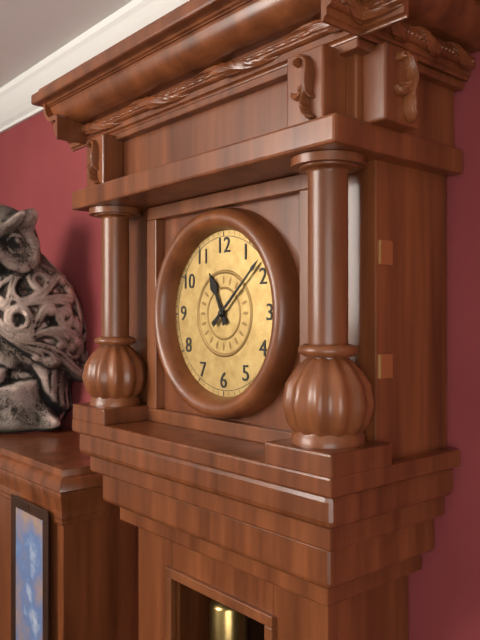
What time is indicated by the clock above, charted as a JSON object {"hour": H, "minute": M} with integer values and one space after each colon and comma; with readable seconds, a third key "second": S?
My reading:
{"hour": 11, "minute": 8}
